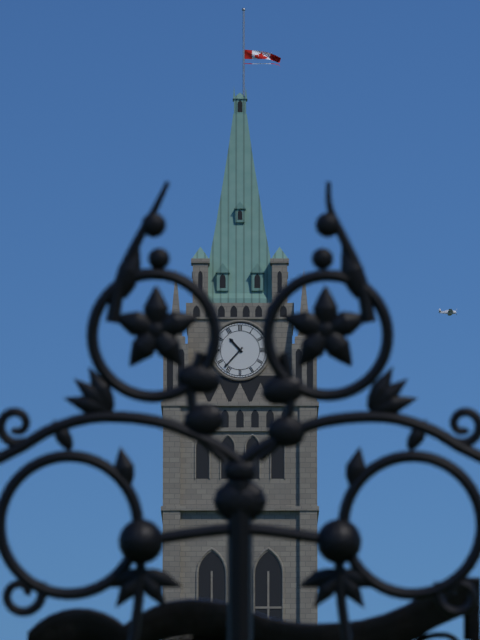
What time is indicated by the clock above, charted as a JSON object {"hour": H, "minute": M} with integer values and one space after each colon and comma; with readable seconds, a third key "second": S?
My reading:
{"hour": 10, "minute": 37}
